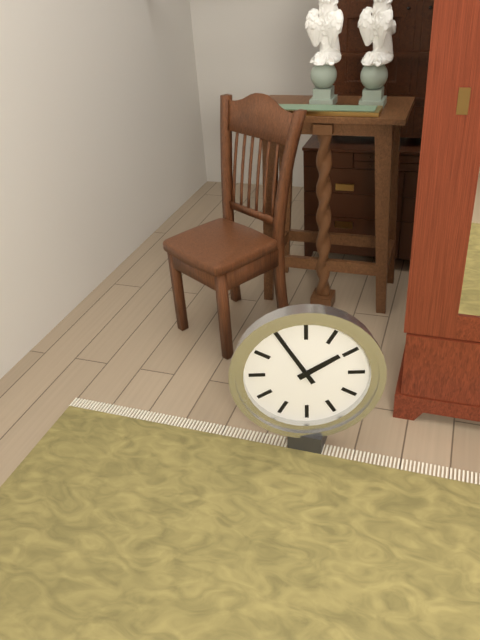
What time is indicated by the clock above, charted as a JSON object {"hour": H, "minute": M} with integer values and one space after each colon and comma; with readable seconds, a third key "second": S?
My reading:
{"hour": 1, "minute": 55}
